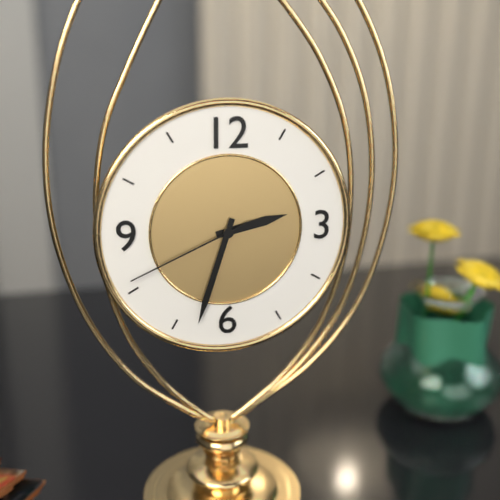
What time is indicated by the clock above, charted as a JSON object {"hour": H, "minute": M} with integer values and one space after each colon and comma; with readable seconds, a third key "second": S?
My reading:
{"hour": 2, "minute": 33, "second": 41}
